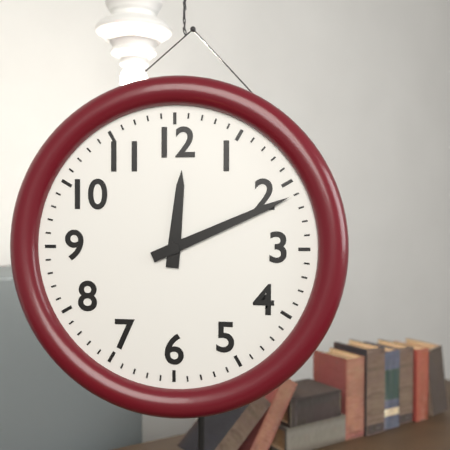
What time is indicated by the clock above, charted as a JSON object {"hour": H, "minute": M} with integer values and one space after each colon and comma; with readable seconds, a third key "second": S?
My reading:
{"hour": 12, "minute": 11}
